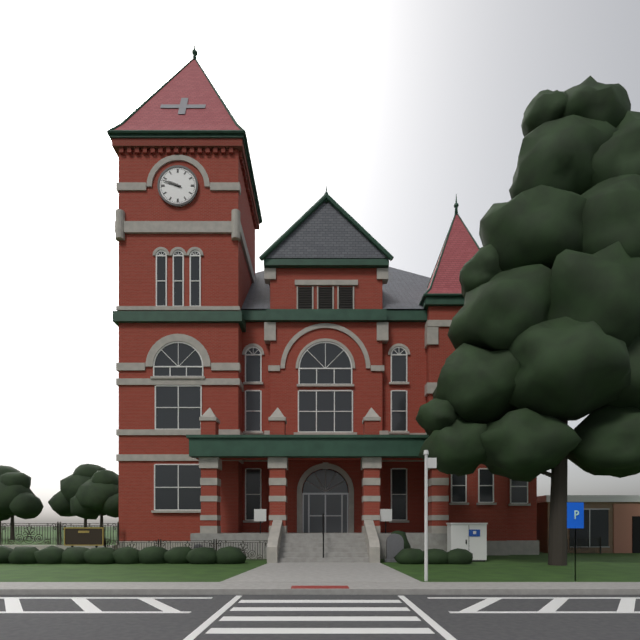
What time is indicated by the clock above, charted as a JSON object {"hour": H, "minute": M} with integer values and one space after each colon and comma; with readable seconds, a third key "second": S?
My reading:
{"hour": 9, "minute": 48}
